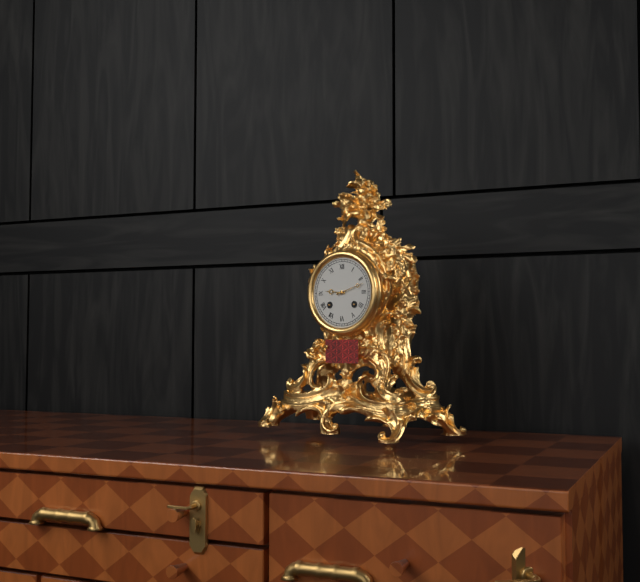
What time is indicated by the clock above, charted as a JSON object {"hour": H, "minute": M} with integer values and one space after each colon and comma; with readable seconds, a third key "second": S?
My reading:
{"hour": 9, "minute": 12}
